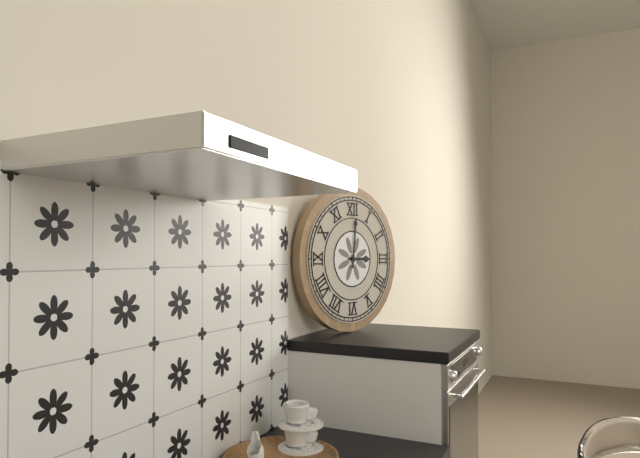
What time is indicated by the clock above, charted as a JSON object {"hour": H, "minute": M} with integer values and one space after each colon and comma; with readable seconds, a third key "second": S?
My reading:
{"hour": 3, "minute": 1}
